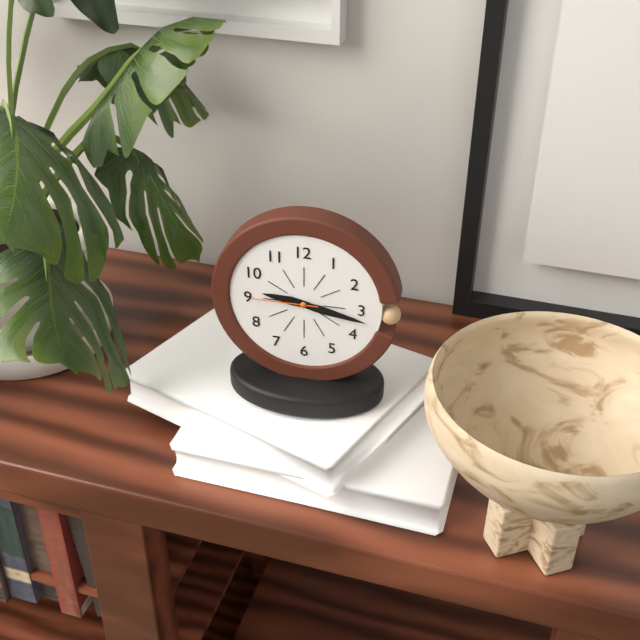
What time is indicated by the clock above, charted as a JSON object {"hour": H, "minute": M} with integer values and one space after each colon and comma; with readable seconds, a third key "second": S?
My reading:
{"hour": 9, "minute": 17, "second": 45}
